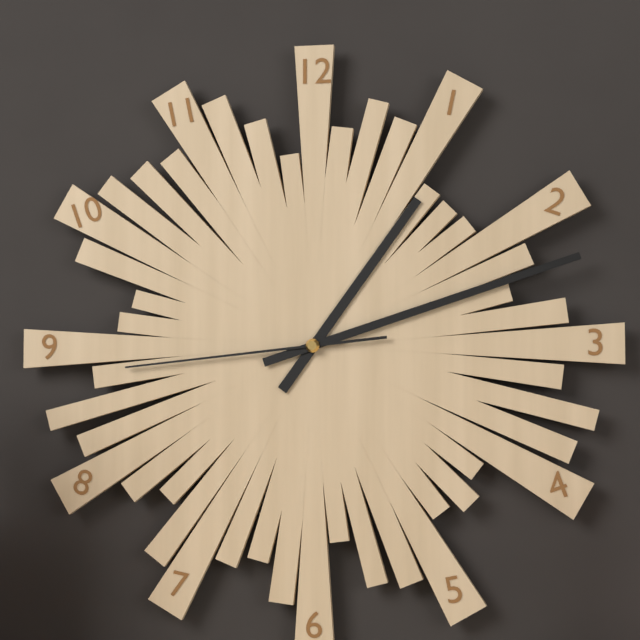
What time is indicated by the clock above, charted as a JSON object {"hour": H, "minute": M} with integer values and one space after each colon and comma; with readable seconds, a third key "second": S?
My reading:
{"hour": 1, "minute": 12, "second": 44}
